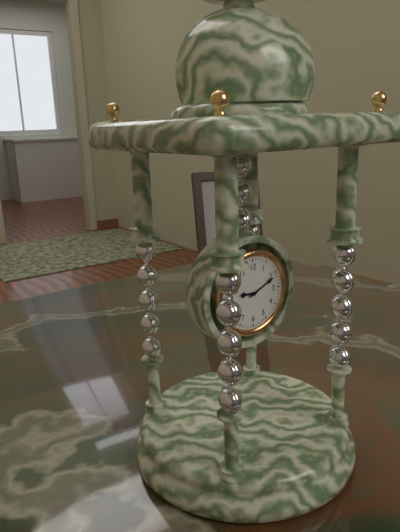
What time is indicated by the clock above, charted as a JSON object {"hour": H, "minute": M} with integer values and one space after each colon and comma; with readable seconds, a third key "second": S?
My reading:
{"hour": 9, "minute": 11}
